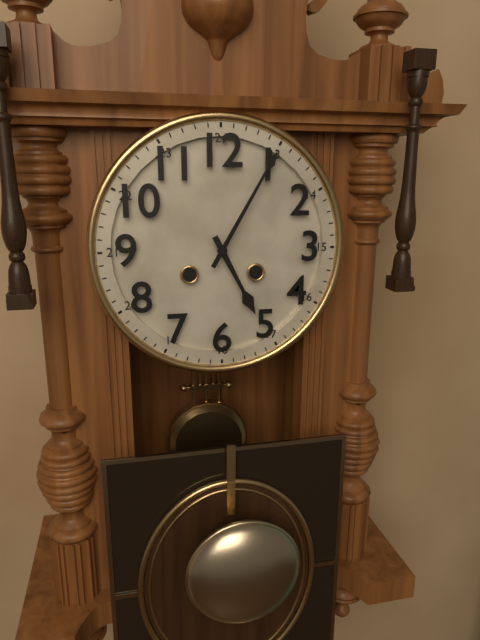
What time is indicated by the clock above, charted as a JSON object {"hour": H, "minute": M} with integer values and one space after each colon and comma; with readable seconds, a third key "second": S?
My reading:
{"hour": 5, "minute": 5}
